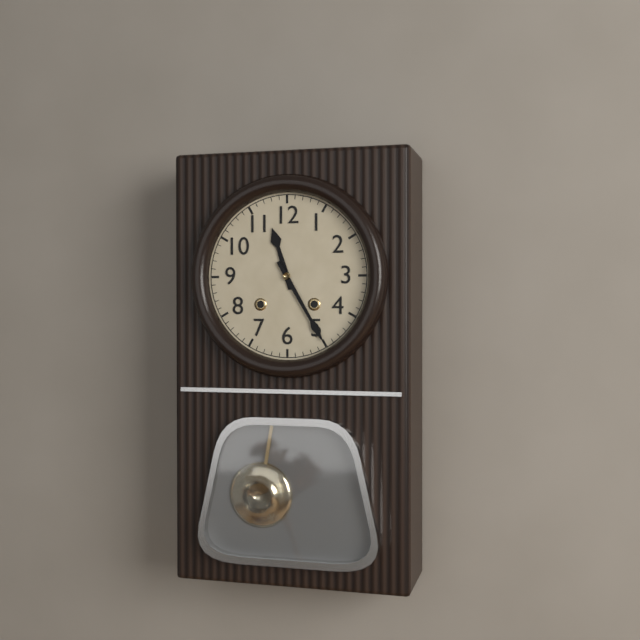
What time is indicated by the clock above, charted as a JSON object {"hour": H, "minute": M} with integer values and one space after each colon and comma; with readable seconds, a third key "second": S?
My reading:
{"hour": 11, "minute": 25}
